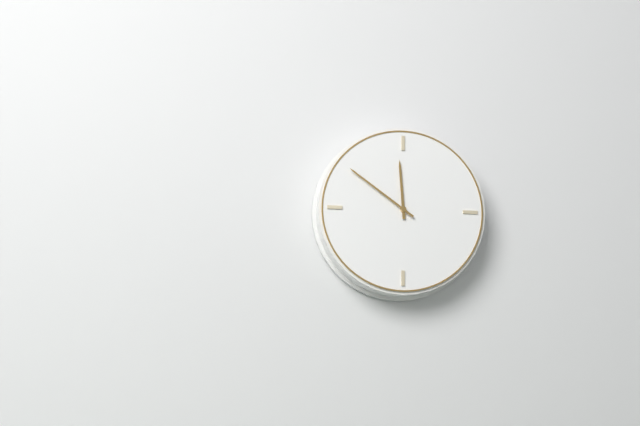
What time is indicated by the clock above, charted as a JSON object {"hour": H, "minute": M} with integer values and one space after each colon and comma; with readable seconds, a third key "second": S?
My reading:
{"hour": 11, "minute": 51}
